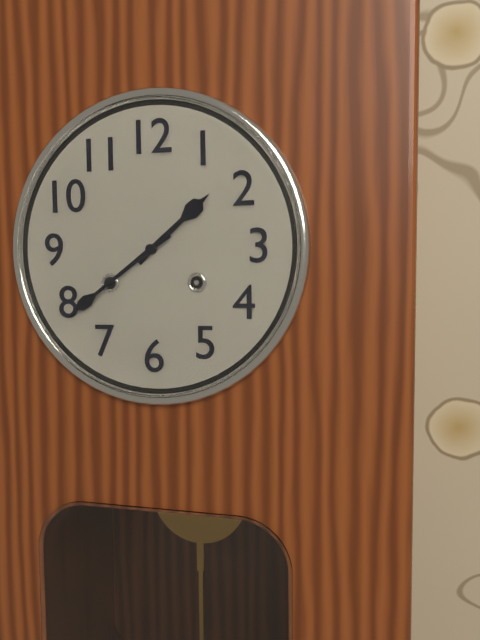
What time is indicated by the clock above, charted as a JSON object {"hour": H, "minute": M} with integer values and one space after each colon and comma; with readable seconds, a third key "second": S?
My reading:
{"hour": 1, "minute": 39}
